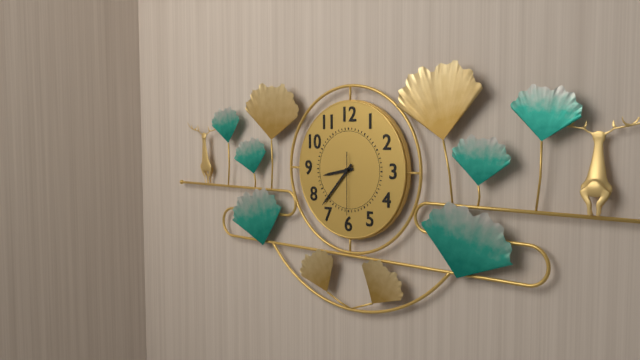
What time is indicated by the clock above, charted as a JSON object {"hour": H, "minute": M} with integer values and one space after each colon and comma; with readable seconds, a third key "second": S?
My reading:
{"hour": 8, "minute": 37, "second": 30}
